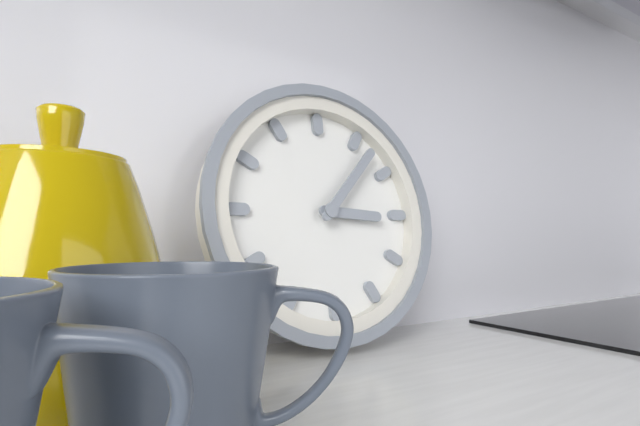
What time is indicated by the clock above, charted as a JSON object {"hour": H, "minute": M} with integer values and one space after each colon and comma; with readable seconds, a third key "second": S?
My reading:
{"hour": 3, "minute": 7}
